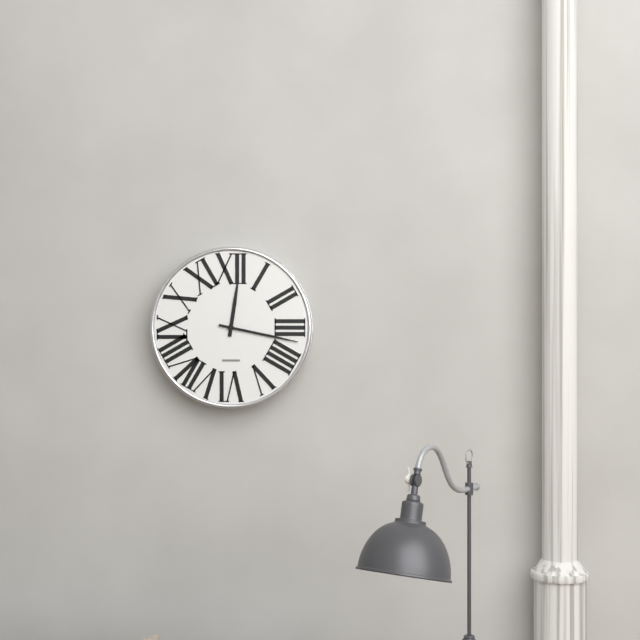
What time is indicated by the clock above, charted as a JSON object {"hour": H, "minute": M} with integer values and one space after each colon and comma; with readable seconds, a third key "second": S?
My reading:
{"hour": 12, "minute": 17}
